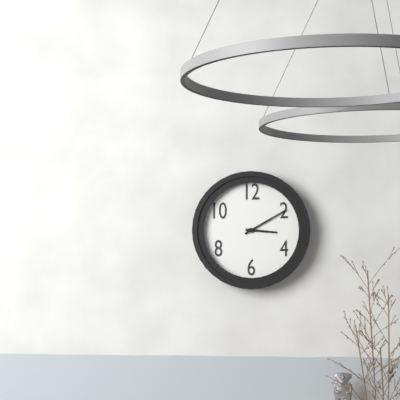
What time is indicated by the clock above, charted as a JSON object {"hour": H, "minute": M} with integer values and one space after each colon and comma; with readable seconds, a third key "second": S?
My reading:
{"hour": 3, "minute": 10}
